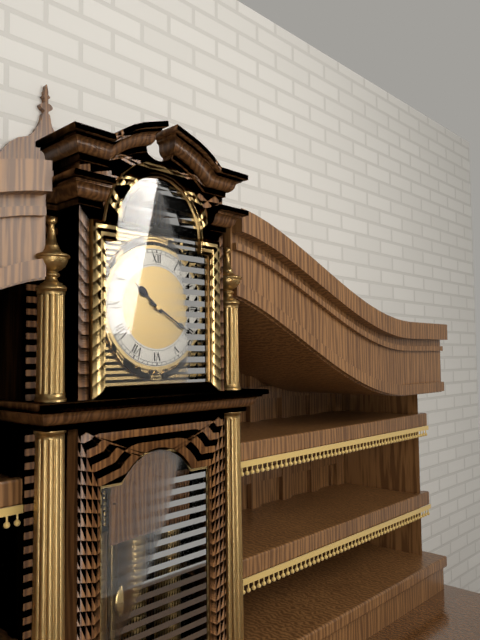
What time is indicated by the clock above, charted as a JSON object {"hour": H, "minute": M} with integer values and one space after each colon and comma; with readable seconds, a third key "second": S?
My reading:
{"hour": 10, "minute": 20}
